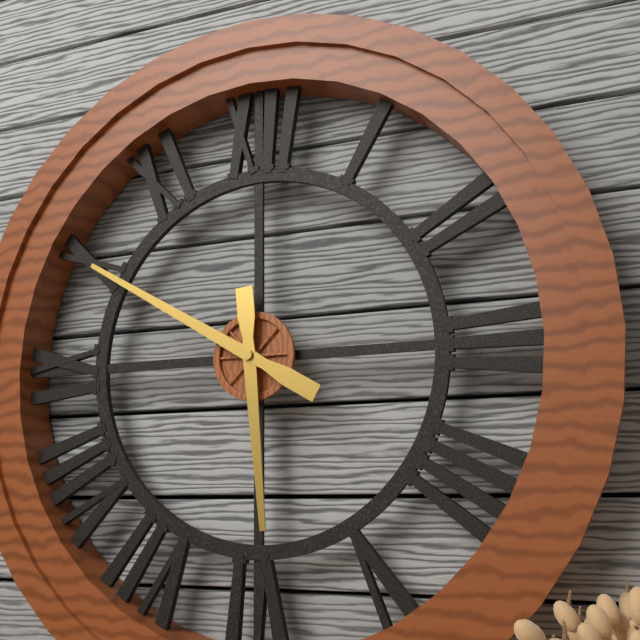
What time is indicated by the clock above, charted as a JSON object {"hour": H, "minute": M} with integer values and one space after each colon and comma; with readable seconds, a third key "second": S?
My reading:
{"hour": 5, "minute": 50}
